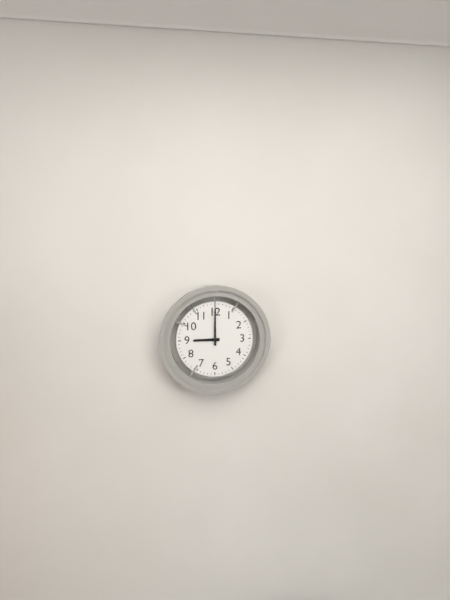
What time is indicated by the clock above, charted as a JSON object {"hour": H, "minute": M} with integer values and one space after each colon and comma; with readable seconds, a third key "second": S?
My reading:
{"hour": 9, "minute": 0}
